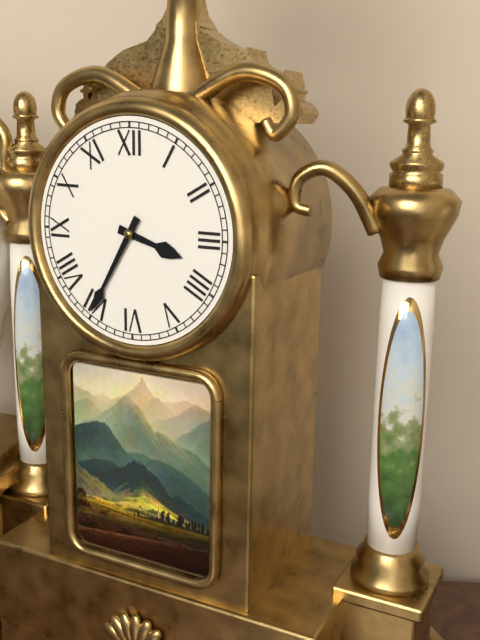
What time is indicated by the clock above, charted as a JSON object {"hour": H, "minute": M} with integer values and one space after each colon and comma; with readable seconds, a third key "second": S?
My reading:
{"hour": 3, "minute": 35}
